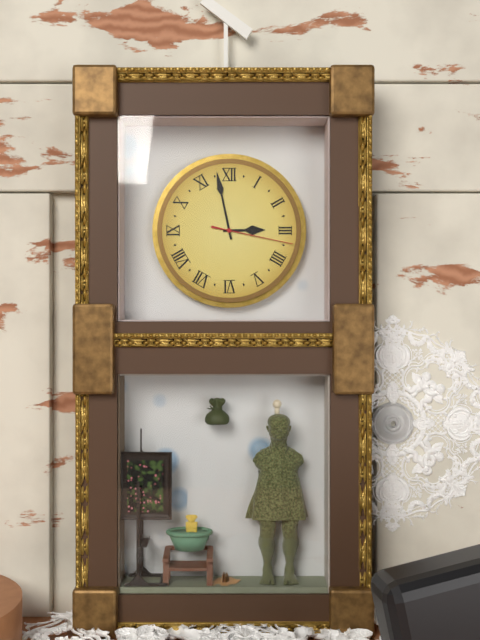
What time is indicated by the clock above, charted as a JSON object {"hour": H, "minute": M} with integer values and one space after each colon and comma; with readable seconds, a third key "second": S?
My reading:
{"hour": 2, "minute": 58, "second": 17}
